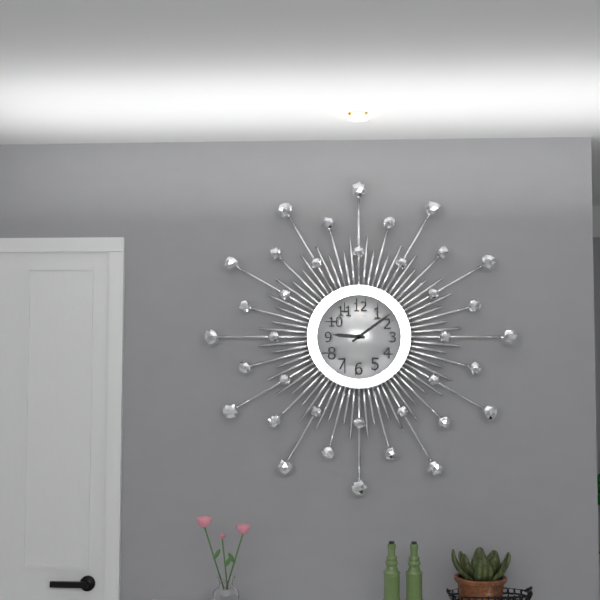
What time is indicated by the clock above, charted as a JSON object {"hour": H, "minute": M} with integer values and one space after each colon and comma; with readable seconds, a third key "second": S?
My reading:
{"hour": 9, "minute": 9}
